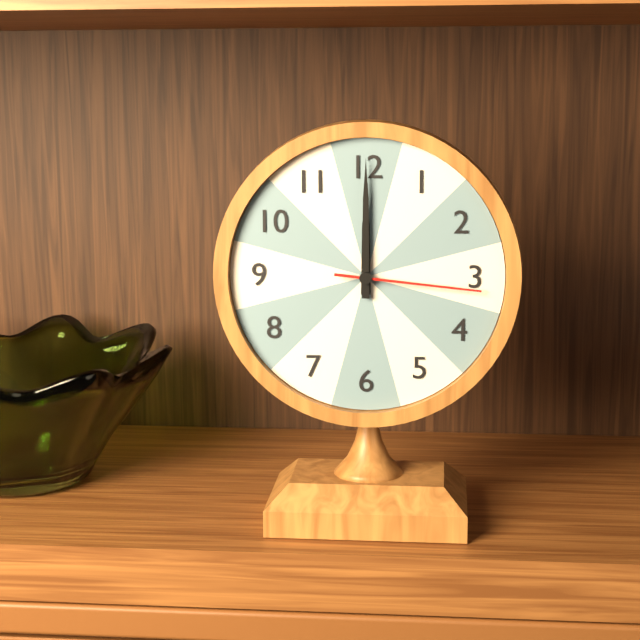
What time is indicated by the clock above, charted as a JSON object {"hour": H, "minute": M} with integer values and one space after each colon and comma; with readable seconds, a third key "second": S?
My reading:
{"hour": 12, "minute": 0, "second": 16}
